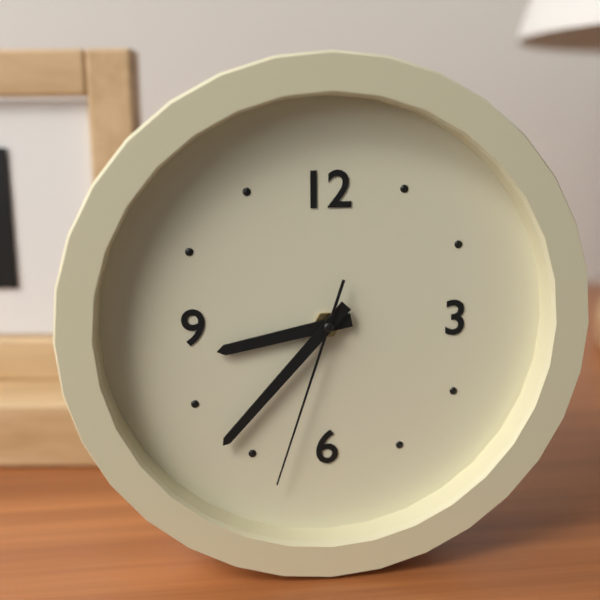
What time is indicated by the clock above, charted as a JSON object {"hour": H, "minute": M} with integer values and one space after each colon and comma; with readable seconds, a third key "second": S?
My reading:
{"hour": 8, "minute": 37, "second": 33}
